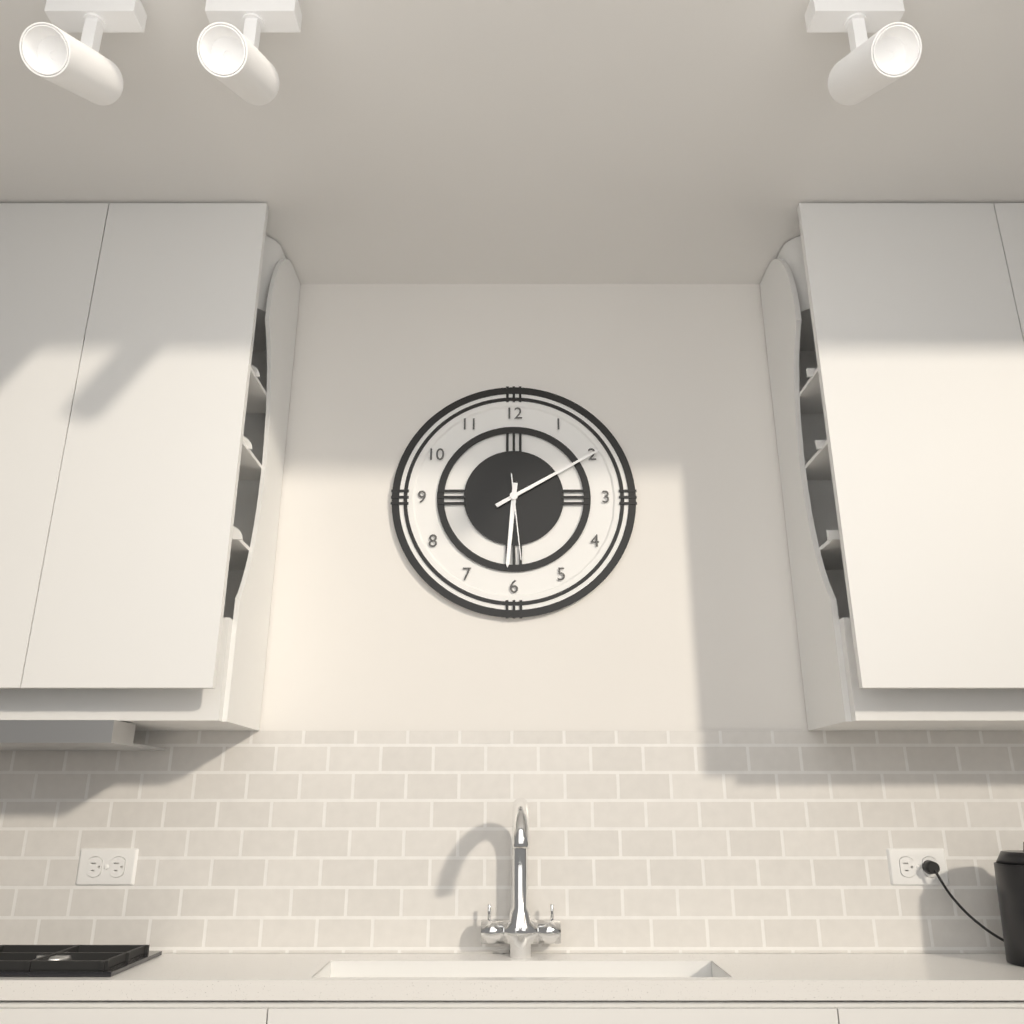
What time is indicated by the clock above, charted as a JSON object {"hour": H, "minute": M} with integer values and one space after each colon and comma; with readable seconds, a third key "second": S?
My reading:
{"hour": 6, "minute": 10, "second": 29}
